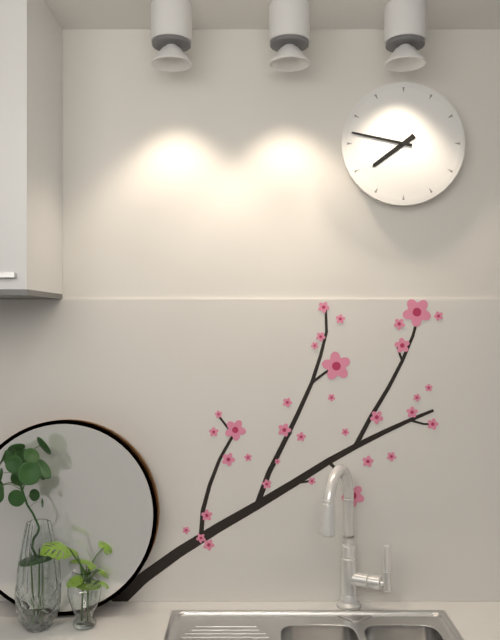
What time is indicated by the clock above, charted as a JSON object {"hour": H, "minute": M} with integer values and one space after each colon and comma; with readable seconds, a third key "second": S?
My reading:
{"hour": 7, "minute": 47}
